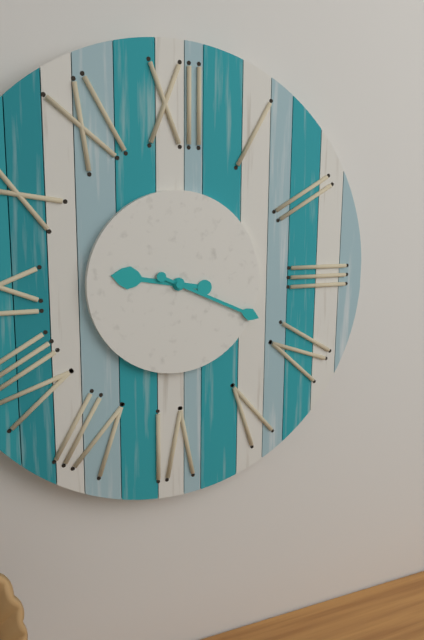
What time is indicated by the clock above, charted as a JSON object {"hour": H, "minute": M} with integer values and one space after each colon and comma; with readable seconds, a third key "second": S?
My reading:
{"hour": 9, "minute": 19}
